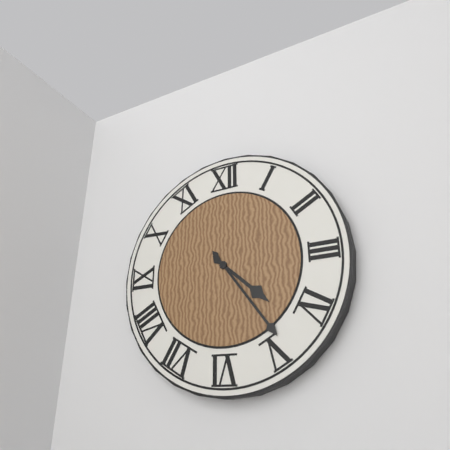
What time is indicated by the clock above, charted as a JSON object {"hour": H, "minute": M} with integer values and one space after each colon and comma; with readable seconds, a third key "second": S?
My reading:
{"hour": 4, "minute": 24}
